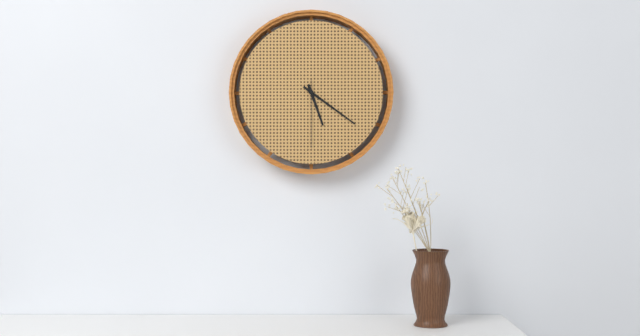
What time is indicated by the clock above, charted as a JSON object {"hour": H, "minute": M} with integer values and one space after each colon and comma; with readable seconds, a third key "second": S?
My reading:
{"hour": 5, "minute": 21, "second": 30}
